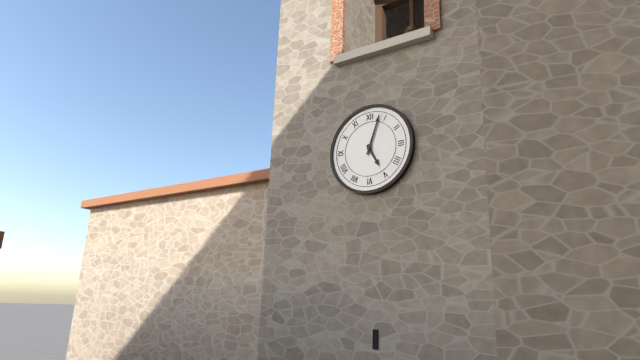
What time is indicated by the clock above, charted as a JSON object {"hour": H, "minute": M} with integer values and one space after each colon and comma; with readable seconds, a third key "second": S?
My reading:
{"hour": 5, "minute": 3}
